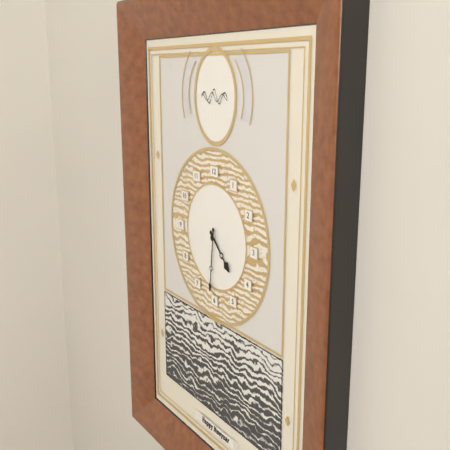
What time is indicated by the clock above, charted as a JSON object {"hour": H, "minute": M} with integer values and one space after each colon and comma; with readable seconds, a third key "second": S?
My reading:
{"hour": 4, "minute": 31}
